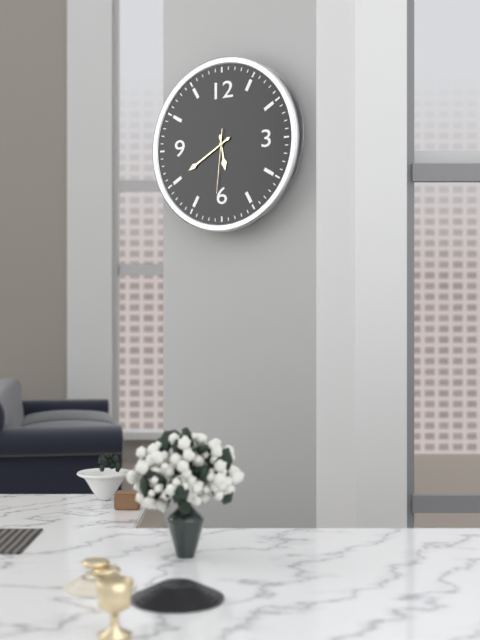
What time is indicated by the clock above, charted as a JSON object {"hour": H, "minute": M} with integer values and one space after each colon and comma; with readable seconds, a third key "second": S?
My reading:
{"hour": 5, "minute": 40, "second": 31}
